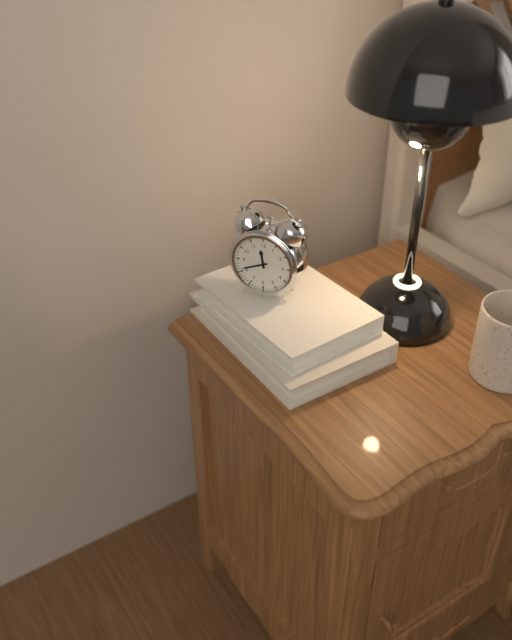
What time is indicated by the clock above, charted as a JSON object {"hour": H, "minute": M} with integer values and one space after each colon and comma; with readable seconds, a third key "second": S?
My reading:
{"hour": 11, "minute": 41}
